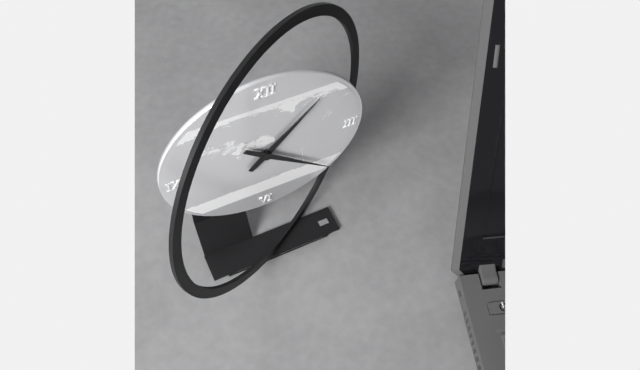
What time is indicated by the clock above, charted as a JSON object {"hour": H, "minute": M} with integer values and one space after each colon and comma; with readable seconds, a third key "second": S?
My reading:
{"hour": 1, "minute": 22}
